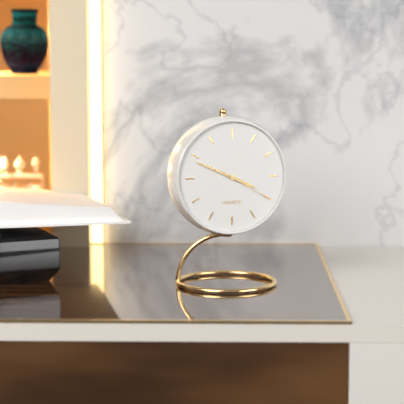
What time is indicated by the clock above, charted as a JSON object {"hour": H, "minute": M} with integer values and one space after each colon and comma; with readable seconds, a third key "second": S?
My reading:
{"hour": 3, "minute": 49, "second": 20}
